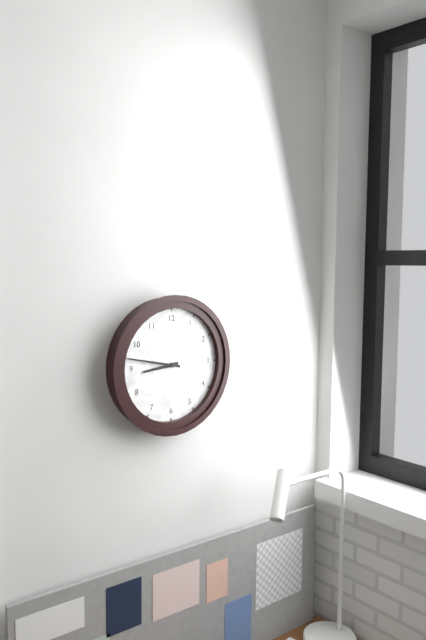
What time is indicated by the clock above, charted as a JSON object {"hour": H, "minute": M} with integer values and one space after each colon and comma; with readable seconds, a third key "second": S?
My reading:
{"hour": 8, "minute": 47}
